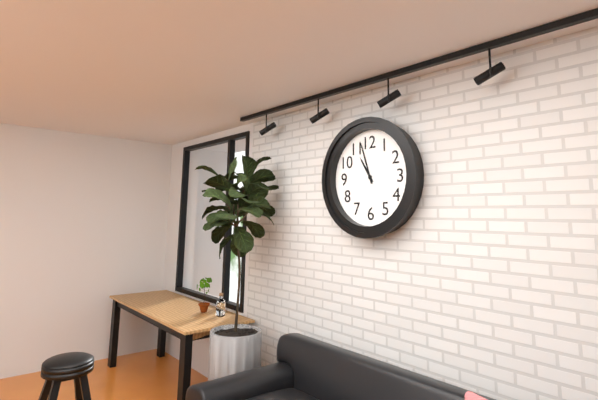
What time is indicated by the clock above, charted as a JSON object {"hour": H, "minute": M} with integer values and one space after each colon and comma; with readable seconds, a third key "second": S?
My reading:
{"hour": 10, "minute": 57}
